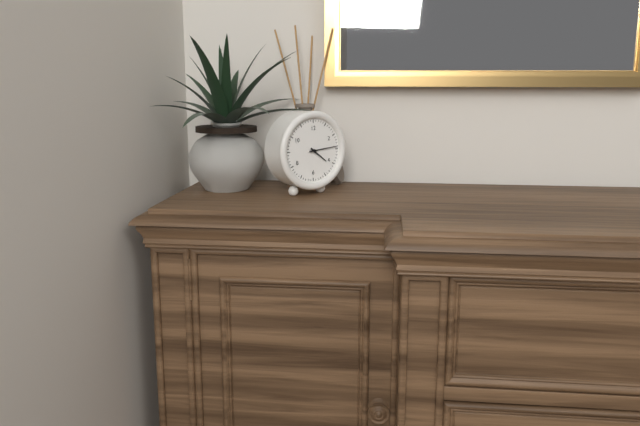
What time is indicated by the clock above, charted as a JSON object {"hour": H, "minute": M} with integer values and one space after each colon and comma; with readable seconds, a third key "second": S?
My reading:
{"hour": 4, "minute": 14}
